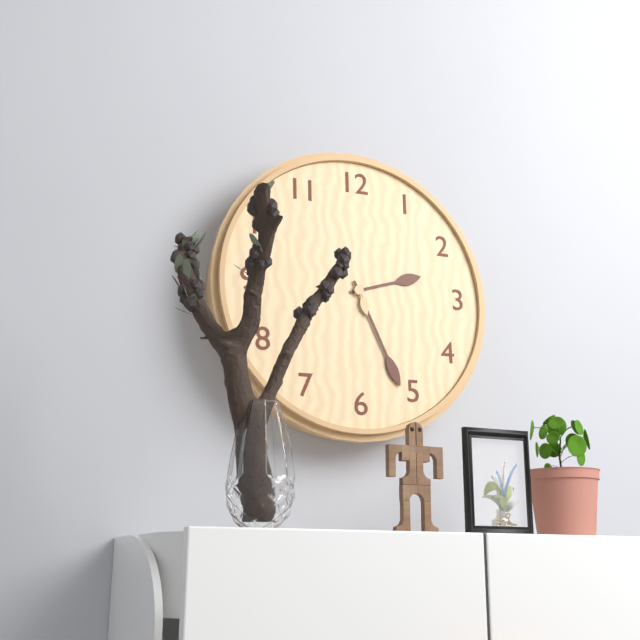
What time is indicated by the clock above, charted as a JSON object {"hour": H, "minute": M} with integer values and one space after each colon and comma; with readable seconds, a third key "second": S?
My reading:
{"hour": 2, "minute": 26}
